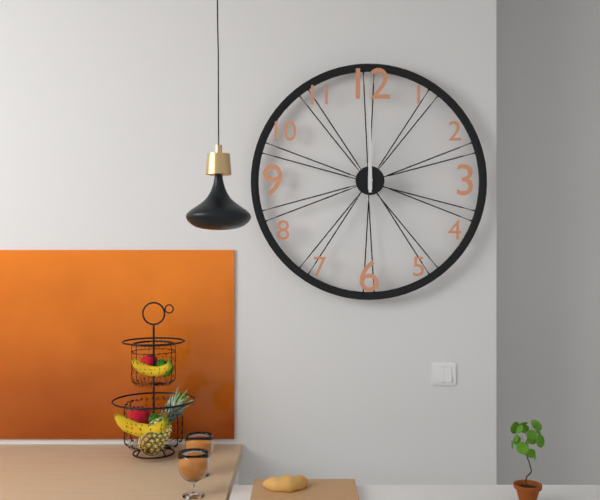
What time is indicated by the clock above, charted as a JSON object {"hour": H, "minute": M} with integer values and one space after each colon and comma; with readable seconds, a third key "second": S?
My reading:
{"hour": 12, "minute": 0}
